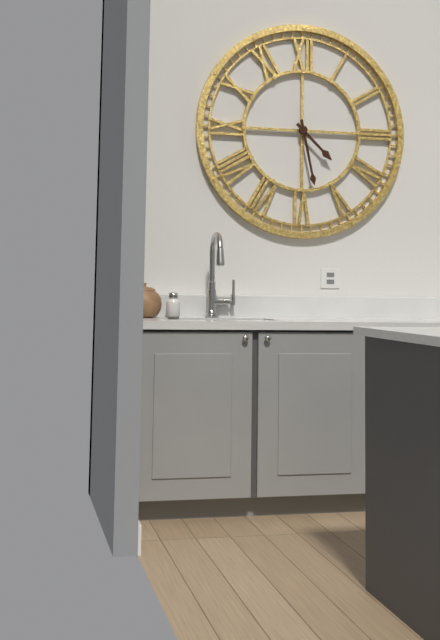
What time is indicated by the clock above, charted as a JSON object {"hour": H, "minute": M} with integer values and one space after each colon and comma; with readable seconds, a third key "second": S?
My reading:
{"hour": 4, "minute": 28}
